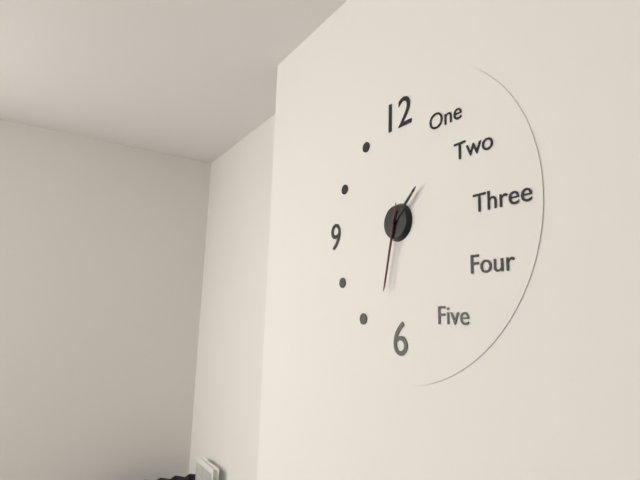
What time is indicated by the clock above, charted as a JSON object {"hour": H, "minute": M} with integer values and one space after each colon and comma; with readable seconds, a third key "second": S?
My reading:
{"hour": 1, "minute": 32, "second": 32}
